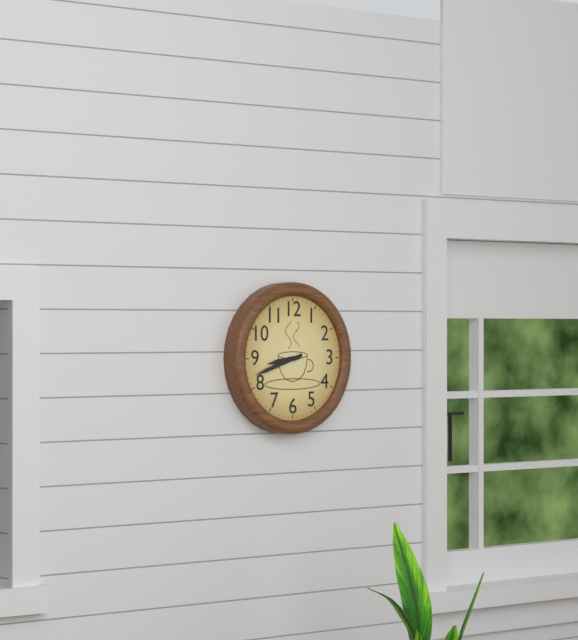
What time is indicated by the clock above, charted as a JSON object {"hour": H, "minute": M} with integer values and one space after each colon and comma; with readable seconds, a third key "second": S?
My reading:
{"hour": 8, "minute": 42}
